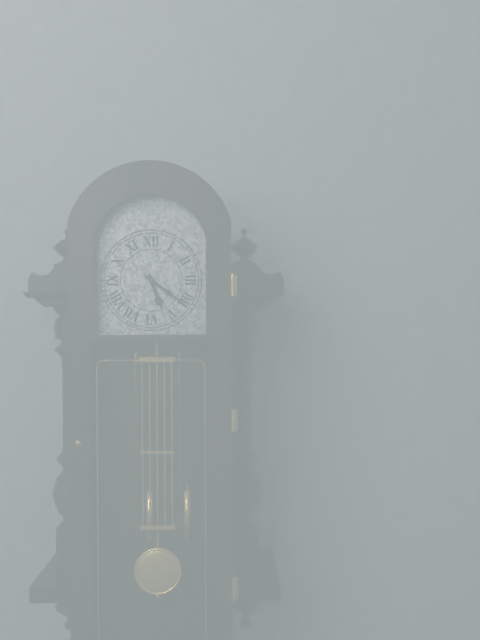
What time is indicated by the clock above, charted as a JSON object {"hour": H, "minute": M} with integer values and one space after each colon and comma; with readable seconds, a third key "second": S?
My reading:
{"hour": 5, "minute": 21}
